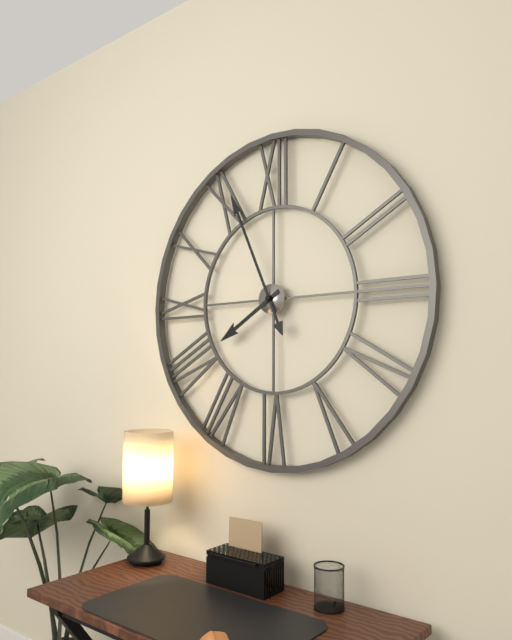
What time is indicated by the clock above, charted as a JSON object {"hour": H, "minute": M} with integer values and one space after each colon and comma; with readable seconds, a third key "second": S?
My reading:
{"hour": 7, "minute": 56}
